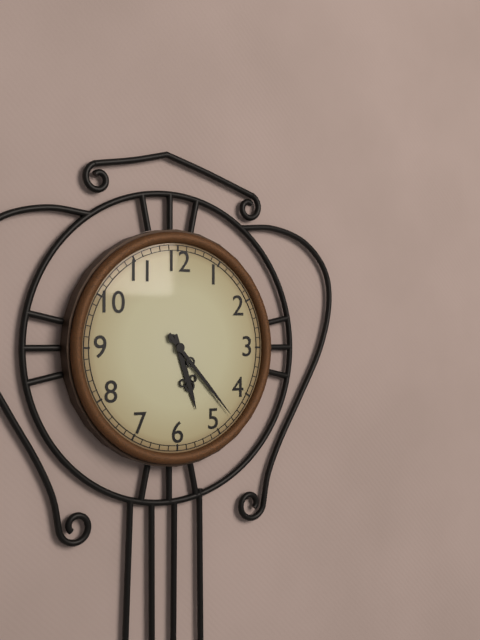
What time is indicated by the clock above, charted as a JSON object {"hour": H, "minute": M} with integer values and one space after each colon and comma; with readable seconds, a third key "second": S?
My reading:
{"hour": 5, "minute": 23}
